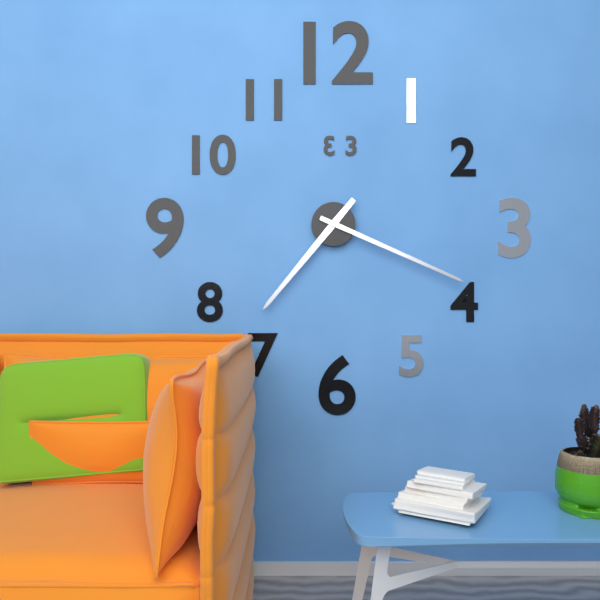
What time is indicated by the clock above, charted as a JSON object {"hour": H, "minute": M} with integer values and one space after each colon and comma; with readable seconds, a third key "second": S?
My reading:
{"hour": 7, "minute": 19}
